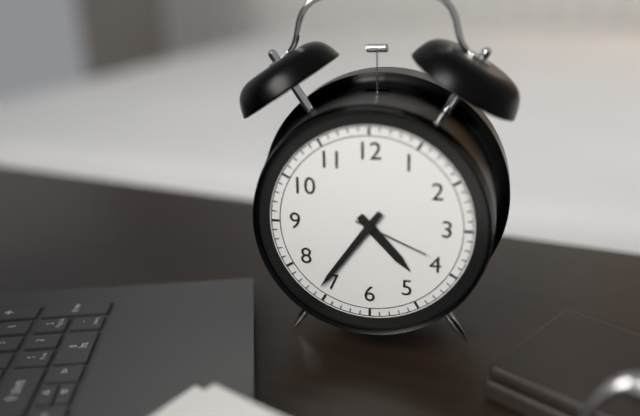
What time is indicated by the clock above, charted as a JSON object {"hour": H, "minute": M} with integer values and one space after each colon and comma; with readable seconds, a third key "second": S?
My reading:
{"hour": 4, "minute": 36, "second": 19}
